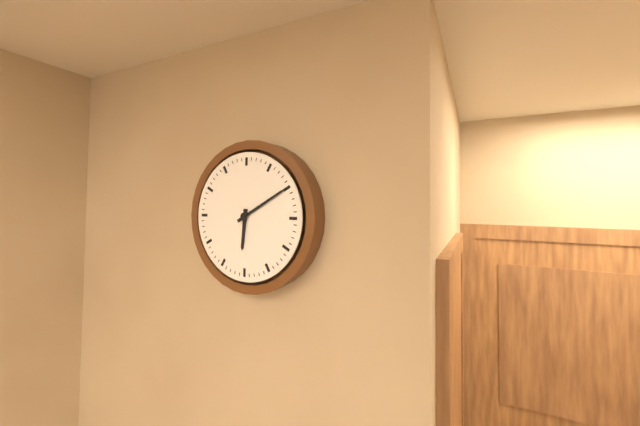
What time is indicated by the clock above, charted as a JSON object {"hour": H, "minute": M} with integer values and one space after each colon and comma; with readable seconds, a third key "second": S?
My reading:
{"hour": 6, "minute": 10}
